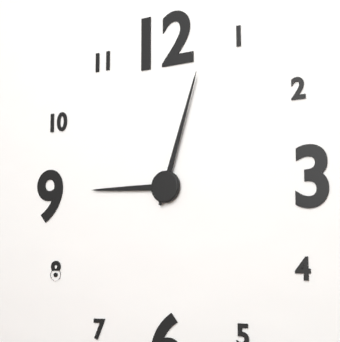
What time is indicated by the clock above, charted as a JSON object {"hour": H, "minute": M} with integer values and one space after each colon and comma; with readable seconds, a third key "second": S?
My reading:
{"hour": 9, "minute": 3}
